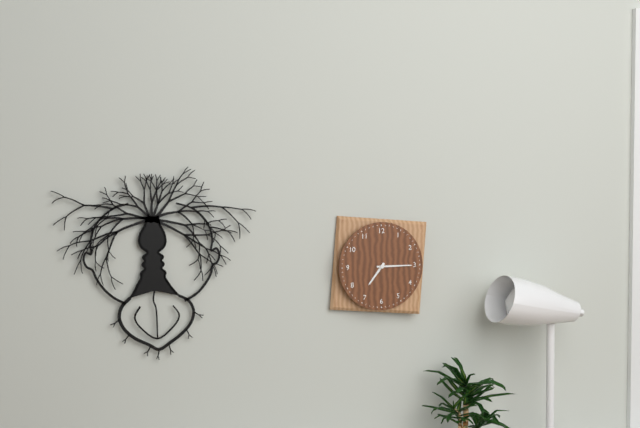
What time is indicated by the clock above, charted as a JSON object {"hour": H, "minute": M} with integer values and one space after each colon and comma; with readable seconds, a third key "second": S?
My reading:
{"hour": 7, "minute": 15}
